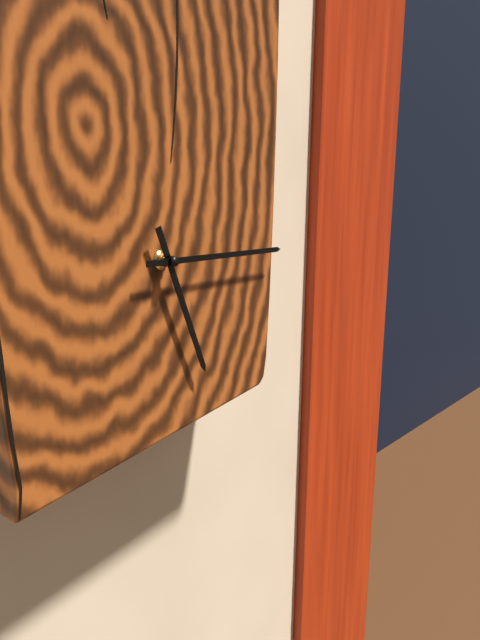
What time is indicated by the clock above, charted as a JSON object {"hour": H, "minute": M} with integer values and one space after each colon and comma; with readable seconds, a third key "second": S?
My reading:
{"hour": 5, "minute": 15}
